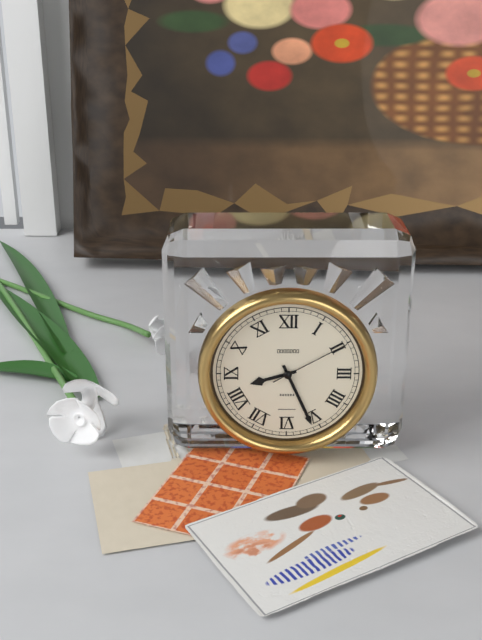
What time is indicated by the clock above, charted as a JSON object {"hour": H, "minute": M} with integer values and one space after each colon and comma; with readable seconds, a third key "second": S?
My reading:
{"hour": 8, "minute": 26, "second": 10}
